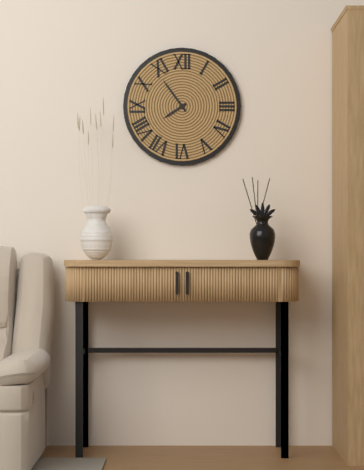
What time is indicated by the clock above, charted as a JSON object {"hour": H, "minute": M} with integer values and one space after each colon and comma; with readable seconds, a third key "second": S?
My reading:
{"hour": 7, "minute": 54}
